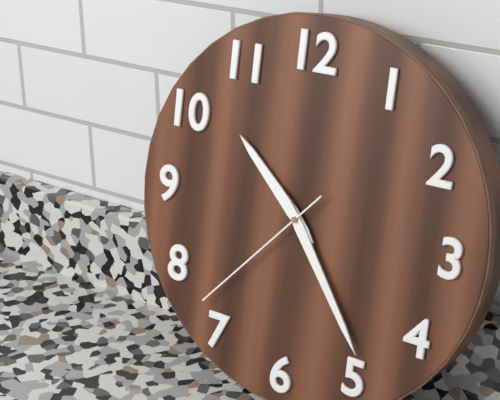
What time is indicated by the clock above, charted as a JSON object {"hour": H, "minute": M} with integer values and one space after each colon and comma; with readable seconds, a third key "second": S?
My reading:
{"hour": 10, "minute": 24, "second": 37}
